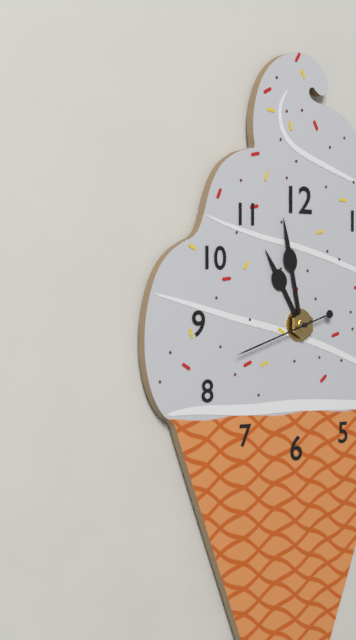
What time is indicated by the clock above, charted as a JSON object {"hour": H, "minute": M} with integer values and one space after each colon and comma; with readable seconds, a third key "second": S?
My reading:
{"hour": 10, "minute": 58, "second": 42}
